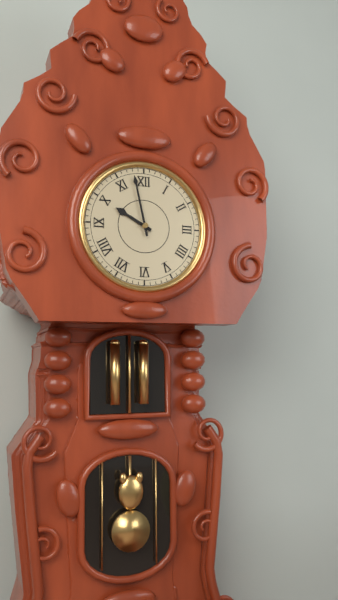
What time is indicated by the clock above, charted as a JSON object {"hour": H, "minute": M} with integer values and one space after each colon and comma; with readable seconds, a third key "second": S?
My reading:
{"hour": 9, "minute": 58}
